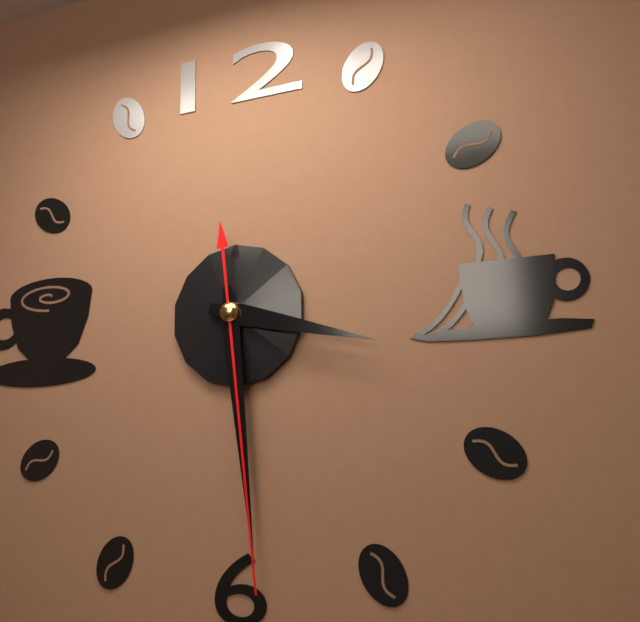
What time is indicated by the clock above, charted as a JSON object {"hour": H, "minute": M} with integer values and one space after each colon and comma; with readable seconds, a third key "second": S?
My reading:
{"hour": 3, "minute": 29, "second": 29}
